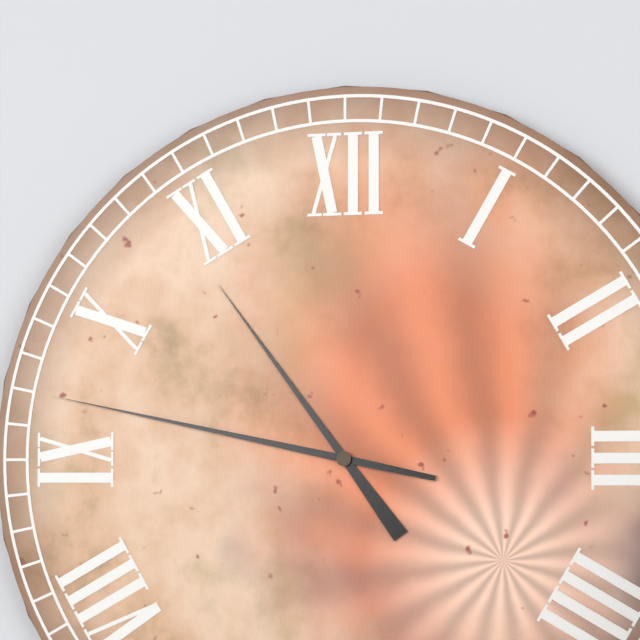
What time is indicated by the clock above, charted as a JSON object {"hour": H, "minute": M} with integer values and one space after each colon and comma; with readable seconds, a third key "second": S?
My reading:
{"hour": 10, "minute": 47}
